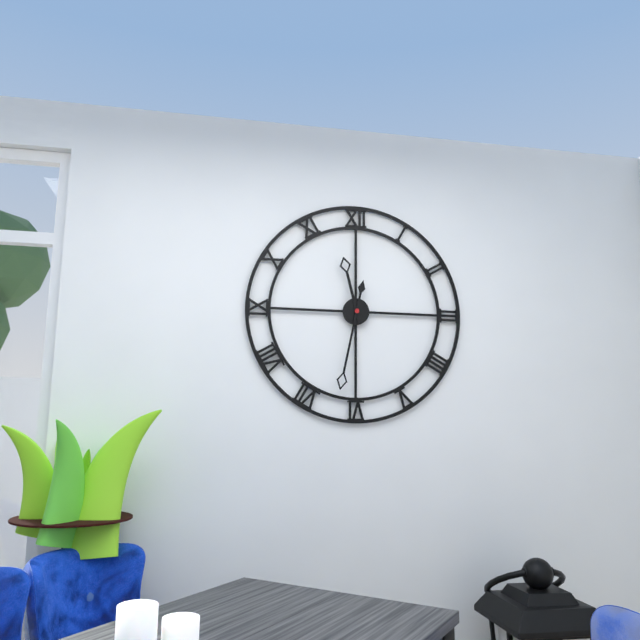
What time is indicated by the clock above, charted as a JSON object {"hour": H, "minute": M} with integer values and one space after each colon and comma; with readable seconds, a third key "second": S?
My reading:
{"hour": 11, "minute": 32}
